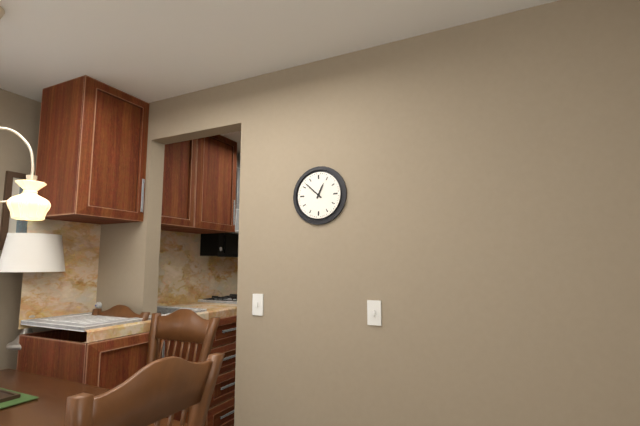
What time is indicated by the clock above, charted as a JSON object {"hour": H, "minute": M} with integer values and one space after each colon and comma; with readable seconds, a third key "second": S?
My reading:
{"hour": 12, "minute": 52}
